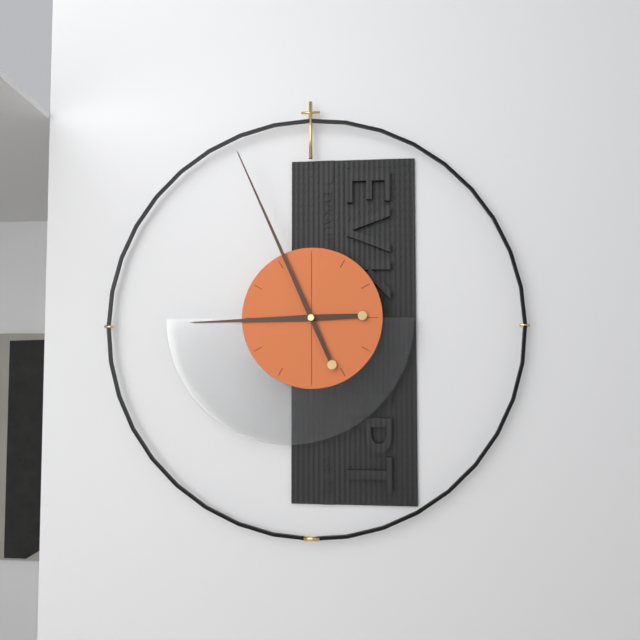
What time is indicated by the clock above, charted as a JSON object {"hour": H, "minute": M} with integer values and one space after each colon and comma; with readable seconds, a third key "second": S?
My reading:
{"hour": 8, "minute": 56}
